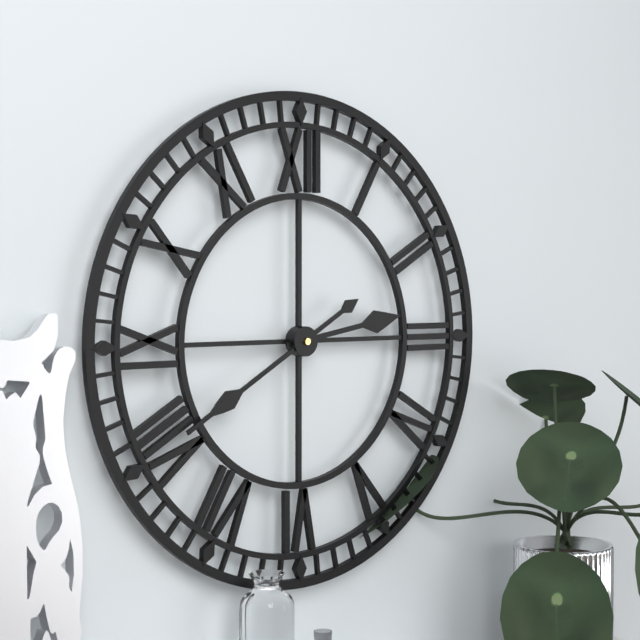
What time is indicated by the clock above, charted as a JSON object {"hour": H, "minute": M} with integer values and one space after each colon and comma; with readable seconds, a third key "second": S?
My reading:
{"hour": 2, "minute": 40}
